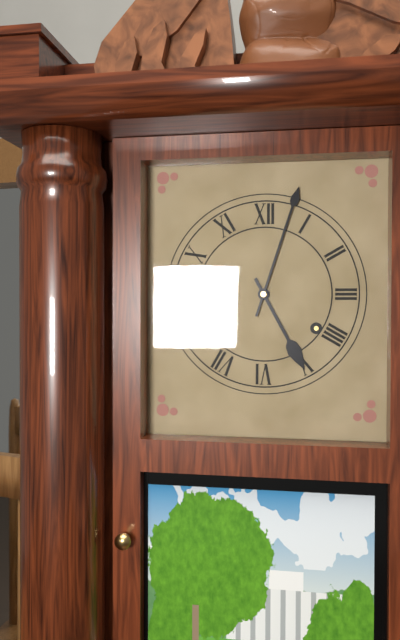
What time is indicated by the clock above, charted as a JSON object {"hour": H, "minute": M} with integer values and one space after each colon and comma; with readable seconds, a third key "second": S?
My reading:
{"hour": 5, "minute": 3}
